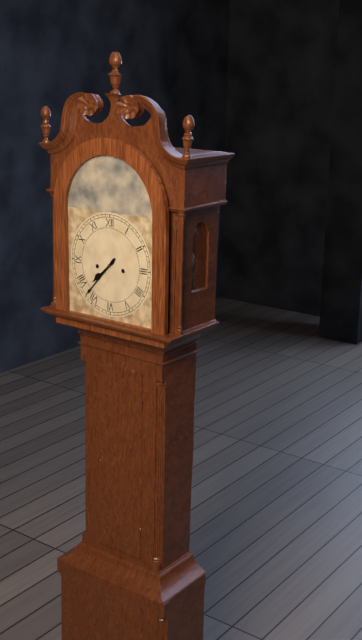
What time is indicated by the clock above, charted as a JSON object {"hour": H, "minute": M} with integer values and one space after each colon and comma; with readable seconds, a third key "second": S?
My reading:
{"hour": 7, "minute": 37}
